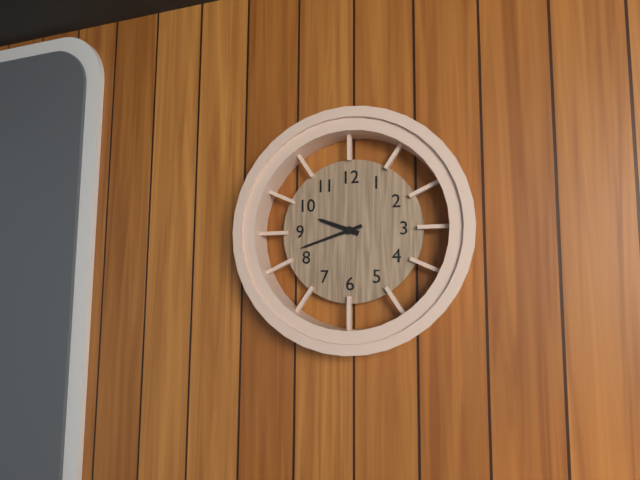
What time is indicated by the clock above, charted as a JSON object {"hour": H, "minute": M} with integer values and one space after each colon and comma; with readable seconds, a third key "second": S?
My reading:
{"hour": 9, "minute": 42}
